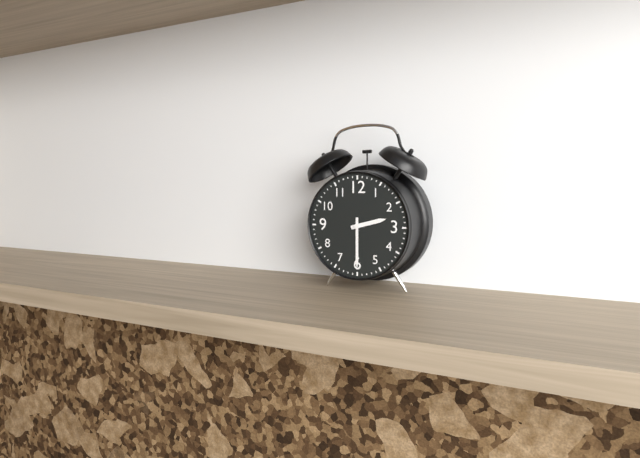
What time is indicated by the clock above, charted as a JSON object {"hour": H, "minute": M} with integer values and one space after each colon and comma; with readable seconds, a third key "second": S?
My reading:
{"hour": 2, "minute": 30}
